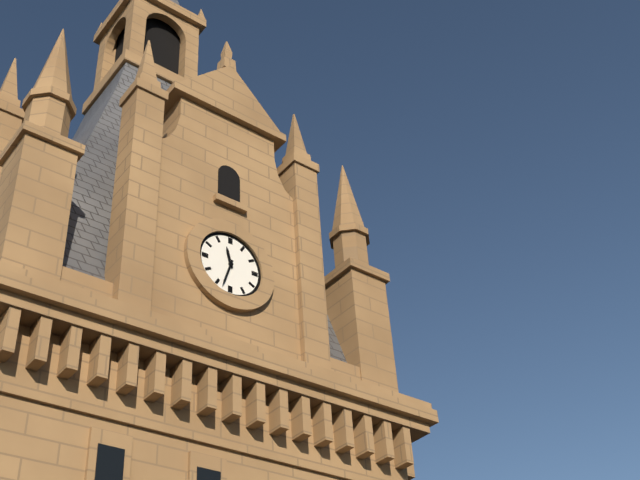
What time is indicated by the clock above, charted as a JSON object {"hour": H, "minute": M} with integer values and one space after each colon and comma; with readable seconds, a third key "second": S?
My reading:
{"hour": 11, "minute": 33}
